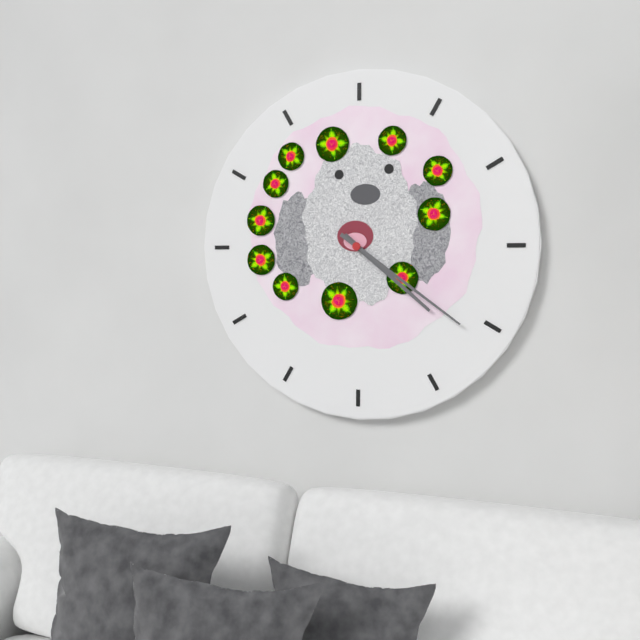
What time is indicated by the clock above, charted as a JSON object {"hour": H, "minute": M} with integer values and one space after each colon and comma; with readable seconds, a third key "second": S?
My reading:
{"hour": 4, "minute": 21}
